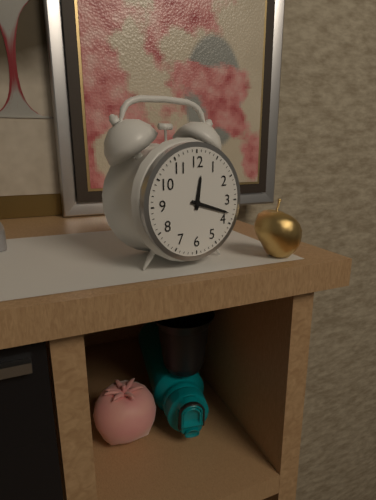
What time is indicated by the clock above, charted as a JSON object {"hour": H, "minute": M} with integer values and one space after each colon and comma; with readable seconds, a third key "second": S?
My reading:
{"hour": 12, "minute": 18}
